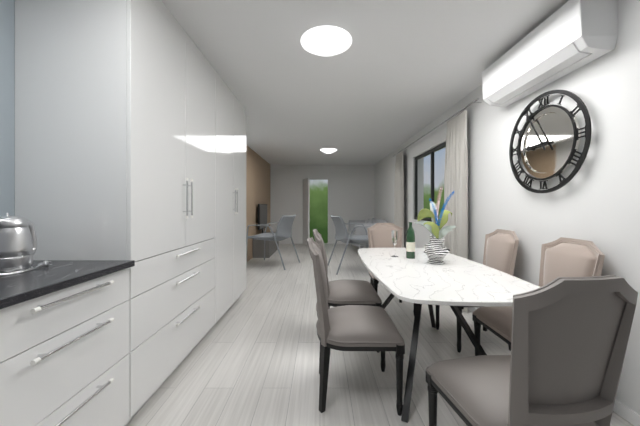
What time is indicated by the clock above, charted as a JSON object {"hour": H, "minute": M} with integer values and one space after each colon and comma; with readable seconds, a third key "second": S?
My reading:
{"hour": 8, "minute": 55}
